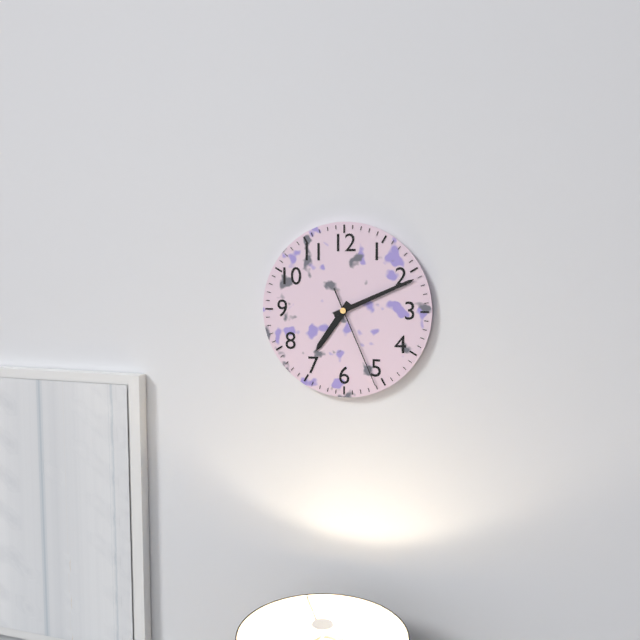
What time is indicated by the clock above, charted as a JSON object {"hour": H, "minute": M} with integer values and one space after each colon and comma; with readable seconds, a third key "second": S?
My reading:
{"hour": 7, "minute": 11, "second": 26}
